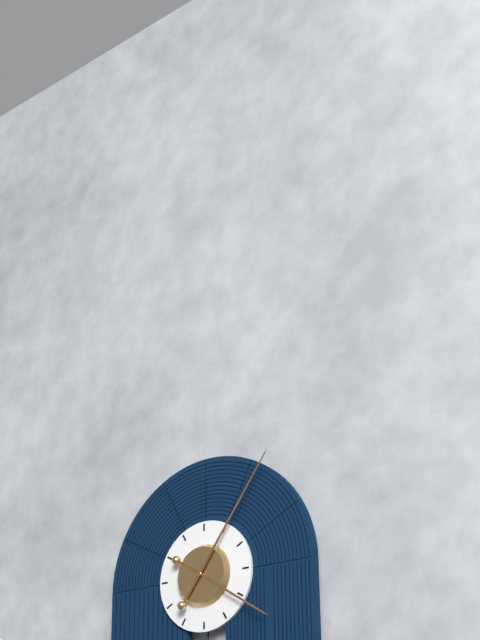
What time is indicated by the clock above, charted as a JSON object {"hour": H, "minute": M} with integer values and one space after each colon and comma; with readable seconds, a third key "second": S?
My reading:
{"hour": 4, "minute": 6}
